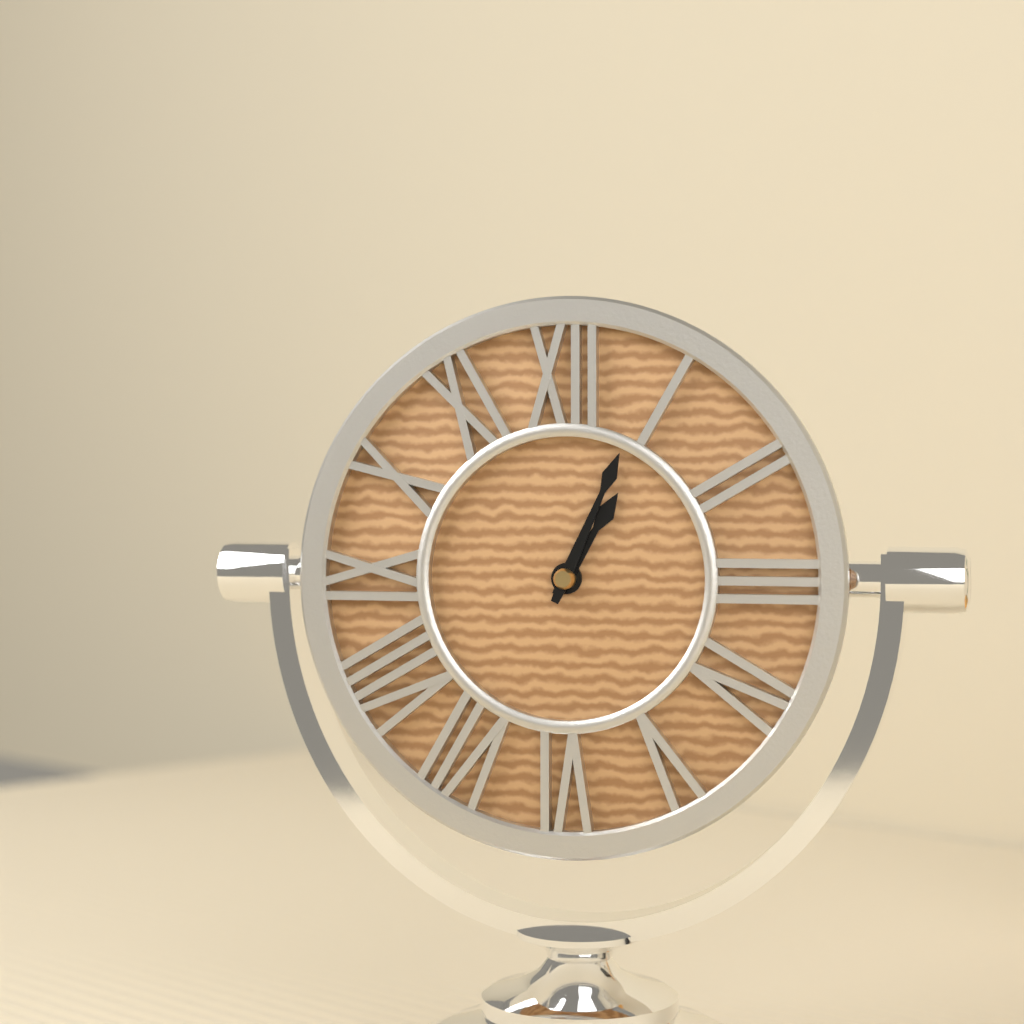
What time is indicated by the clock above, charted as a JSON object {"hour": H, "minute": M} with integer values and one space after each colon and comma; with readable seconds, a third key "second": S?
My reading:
{"hour": 1, "minute": 4}
